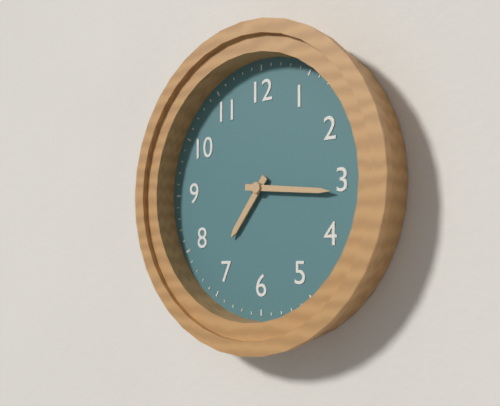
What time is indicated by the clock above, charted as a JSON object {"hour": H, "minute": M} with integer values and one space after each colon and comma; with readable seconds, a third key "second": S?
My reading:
{"hour": 7, "minute": 16}
